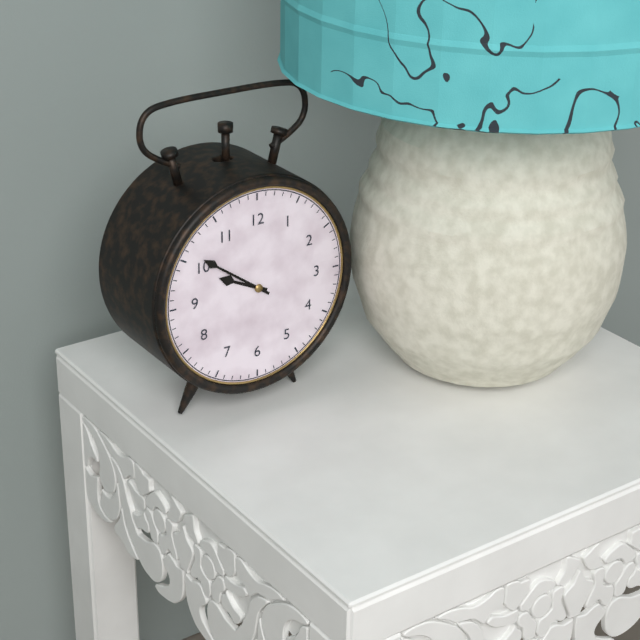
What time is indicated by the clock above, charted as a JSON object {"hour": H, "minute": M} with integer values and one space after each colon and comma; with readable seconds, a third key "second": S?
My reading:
{"hour": 9, "minute": 51}
